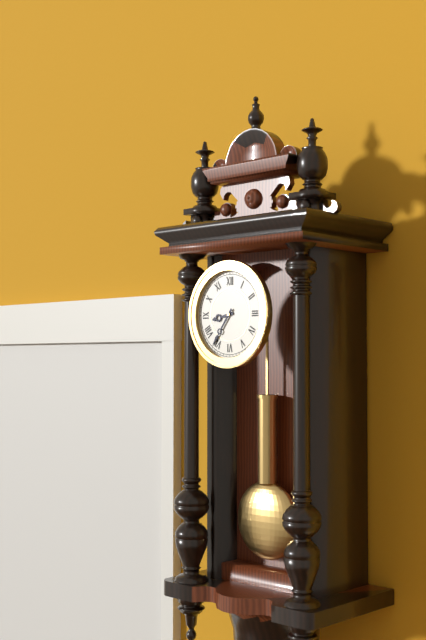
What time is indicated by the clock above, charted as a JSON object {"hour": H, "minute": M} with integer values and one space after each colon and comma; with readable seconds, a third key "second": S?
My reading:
{"hour": 8, "minute": 36}
